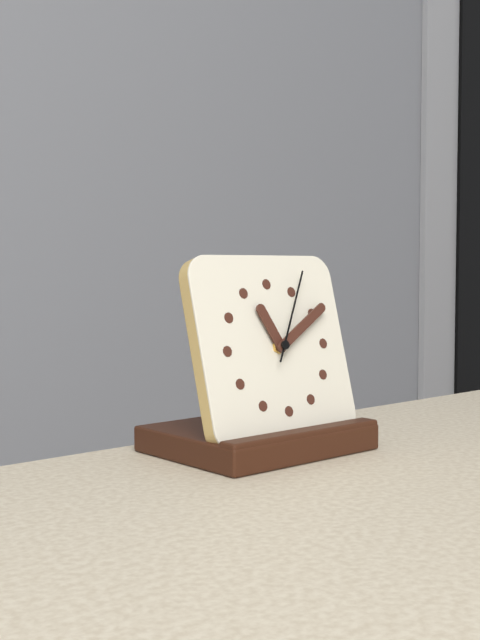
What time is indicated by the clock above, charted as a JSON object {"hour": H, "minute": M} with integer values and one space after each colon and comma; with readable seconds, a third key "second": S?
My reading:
{"hour": 11, "minute": 10, "second": 5}
